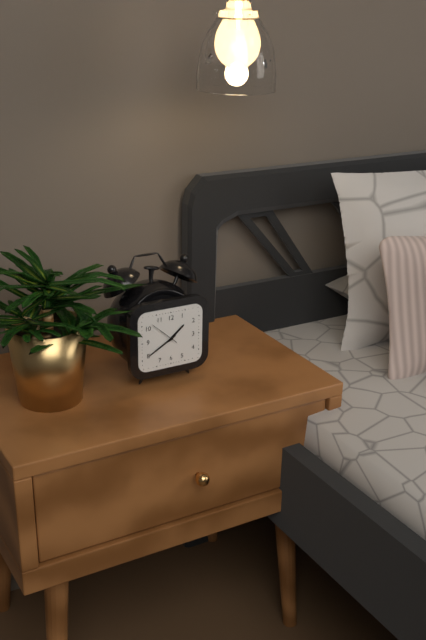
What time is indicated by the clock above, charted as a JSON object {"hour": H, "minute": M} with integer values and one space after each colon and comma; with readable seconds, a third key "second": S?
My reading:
{"hour": 1, "minute": 40}
